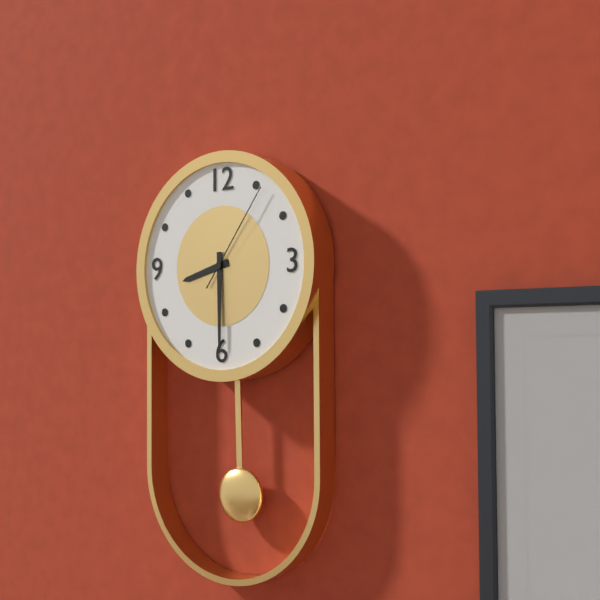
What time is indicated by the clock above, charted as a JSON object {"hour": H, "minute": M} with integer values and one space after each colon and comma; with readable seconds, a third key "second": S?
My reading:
{"hour": 8, "minute": 30, "second": 6}
